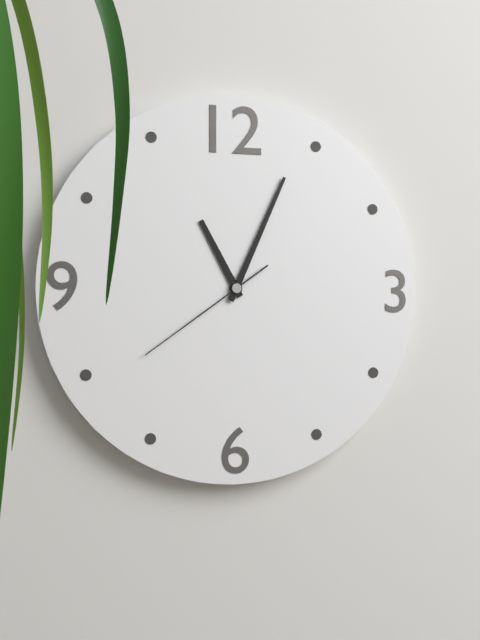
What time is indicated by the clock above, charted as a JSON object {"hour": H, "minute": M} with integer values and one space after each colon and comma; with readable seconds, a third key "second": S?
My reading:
{"hour": 11, "minute": 4, "second": 39}
